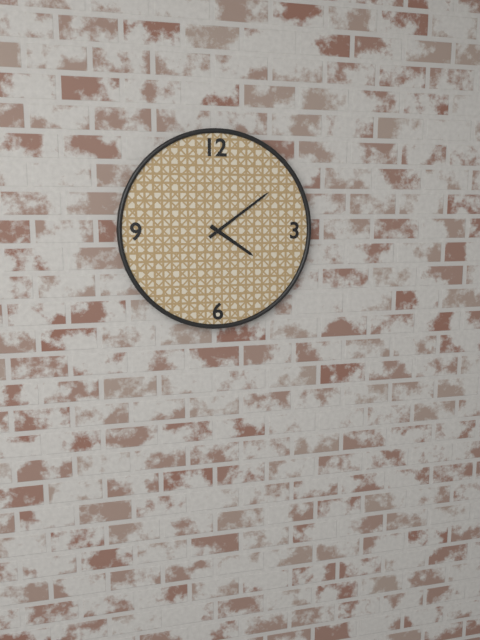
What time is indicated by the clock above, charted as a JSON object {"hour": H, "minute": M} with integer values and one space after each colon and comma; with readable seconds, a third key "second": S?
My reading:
{"hour": 4, "minute": 9}
